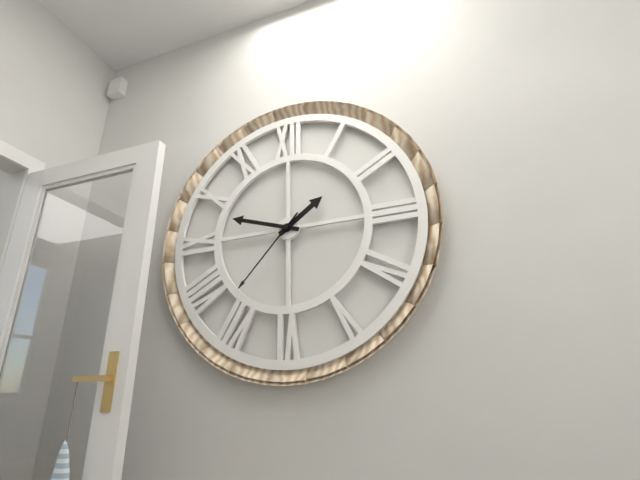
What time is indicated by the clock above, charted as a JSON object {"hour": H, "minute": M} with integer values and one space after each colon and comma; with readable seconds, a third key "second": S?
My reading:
{"hour": 1, "minute": 48, "second": 37}
